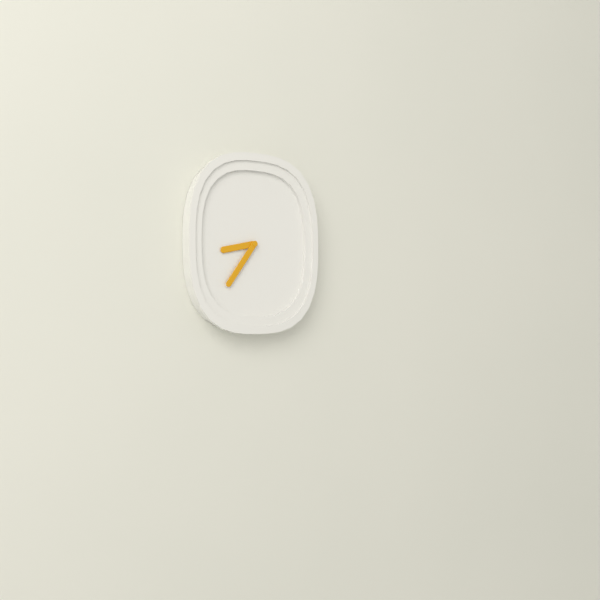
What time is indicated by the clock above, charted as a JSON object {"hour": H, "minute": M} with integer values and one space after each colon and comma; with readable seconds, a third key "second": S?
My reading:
{"hour": 8, "minute": 36}
